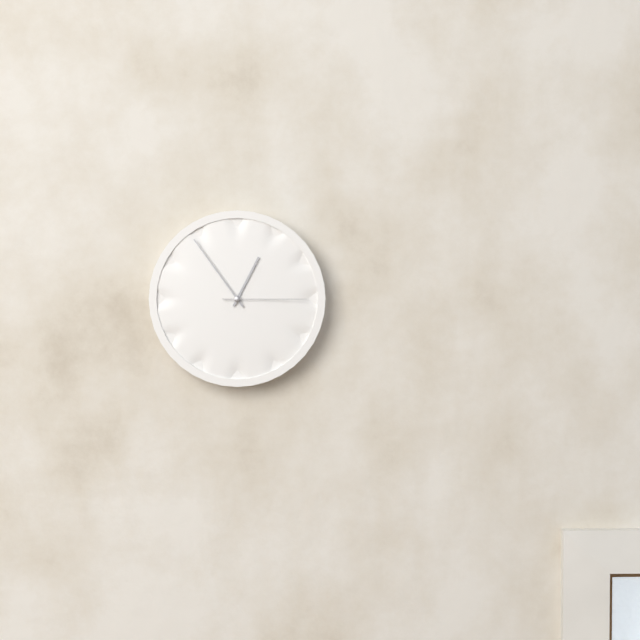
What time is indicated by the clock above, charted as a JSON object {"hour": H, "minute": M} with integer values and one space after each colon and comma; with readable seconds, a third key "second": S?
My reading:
{"hour": 12, "minute": 54, "second": 15}
